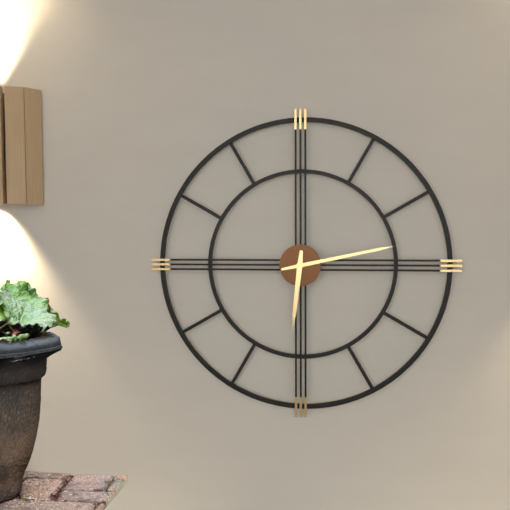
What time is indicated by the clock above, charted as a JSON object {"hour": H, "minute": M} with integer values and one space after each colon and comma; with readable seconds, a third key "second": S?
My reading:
{"hour": 6, "minute": 13}
